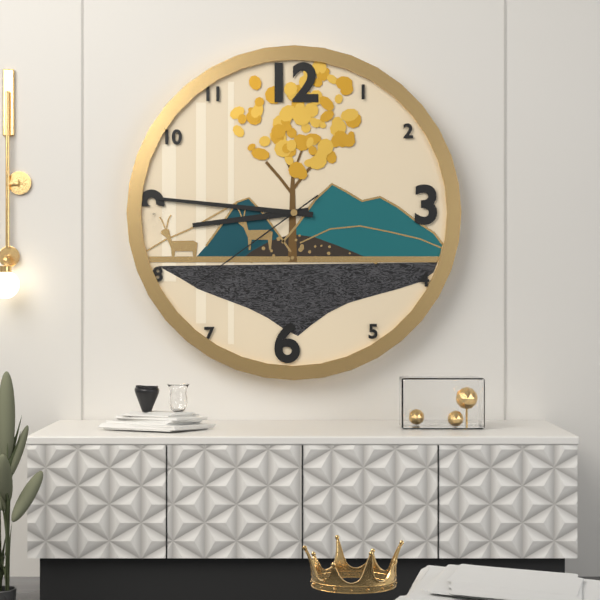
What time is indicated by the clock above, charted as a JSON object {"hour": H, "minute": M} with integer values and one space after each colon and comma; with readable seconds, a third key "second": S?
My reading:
{"hour": 8, "minute": 46, "second": 39}
